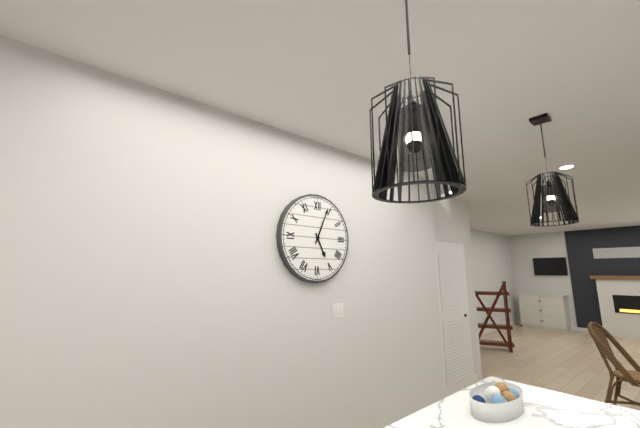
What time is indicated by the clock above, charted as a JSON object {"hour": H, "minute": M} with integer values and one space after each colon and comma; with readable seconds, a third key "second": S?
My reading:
{"hour": 5, "minute": 4}
